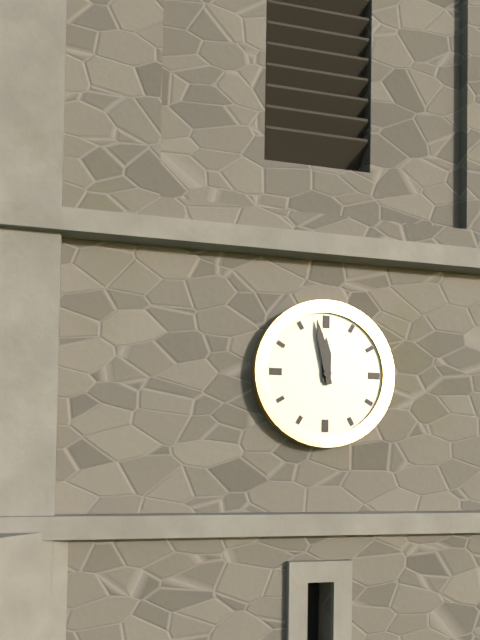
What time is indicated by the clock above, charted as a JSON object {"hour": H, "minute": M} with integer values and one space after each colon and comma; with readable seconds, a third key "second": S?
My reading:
{"hour": 11, "minute": 58}
